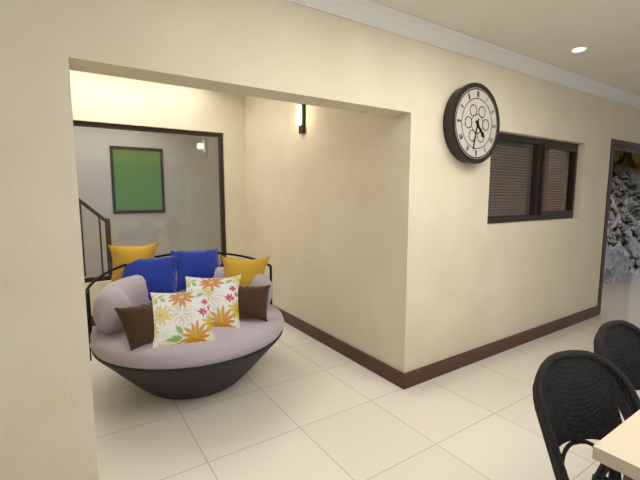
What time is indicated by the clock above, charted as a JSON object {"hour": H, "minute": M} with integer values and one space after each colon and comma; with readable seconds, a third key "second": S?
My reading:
{"hour": 4, "minute": 32}
